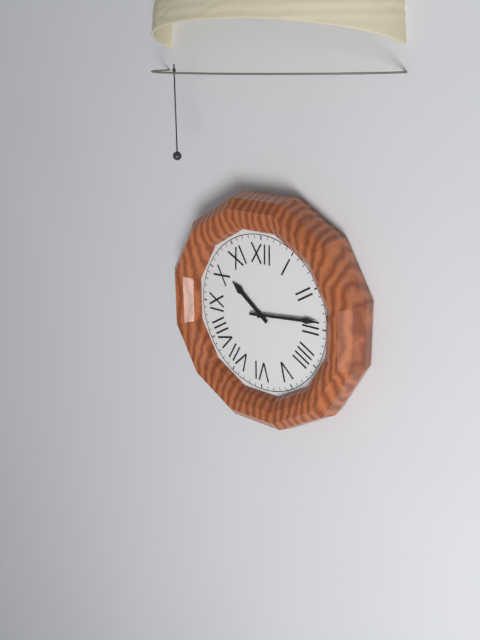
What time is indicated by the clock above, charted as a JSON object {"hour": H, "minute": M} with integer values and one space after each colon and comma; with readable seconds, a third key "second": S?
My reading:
{"hour": 10, "minute": 14}
